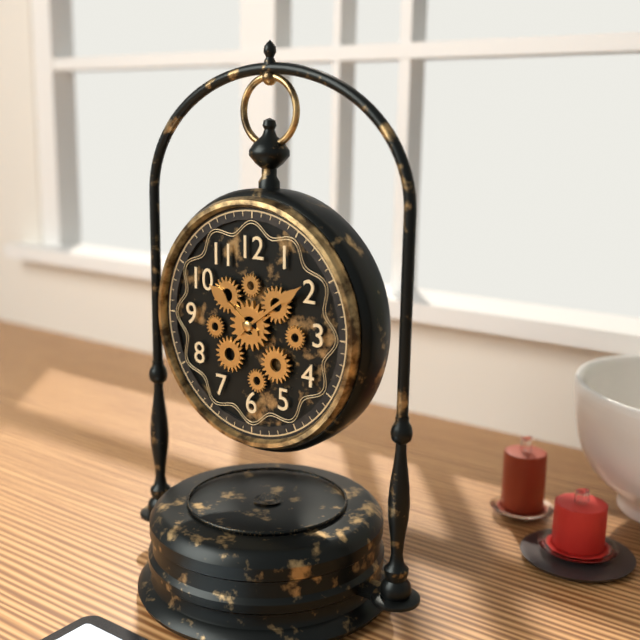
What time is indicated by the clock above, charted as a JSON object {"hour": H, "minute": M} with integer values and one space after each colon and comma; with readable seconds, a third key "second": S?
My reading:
{"hour": 10, "minute": 9}
